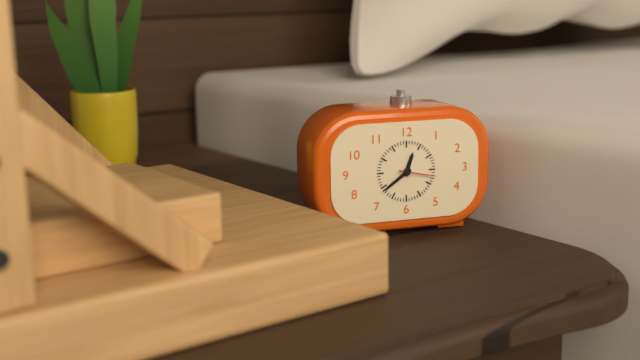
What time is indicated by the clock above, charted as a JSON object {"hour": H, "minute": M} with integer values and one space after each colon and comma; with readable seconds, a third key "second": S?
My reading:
{"hour": 12, "minute": 39}
